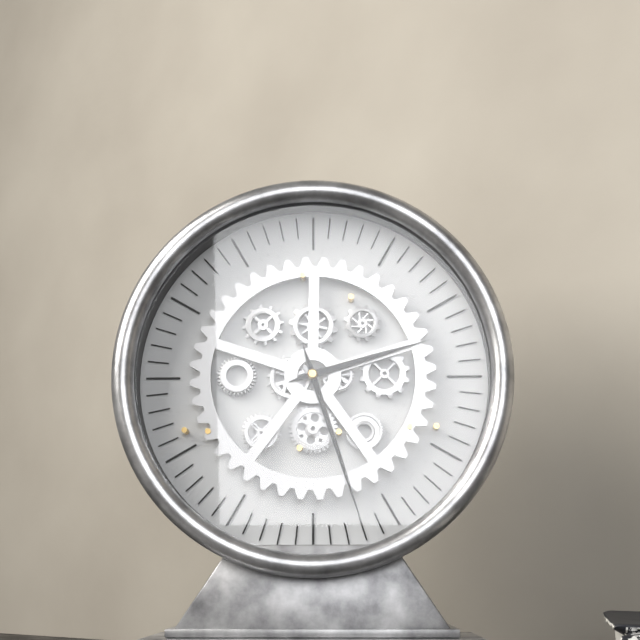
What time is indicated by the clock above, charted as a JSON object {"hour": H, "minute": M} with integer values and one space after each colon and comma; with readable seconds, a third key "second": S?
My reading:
{"hour": 2, "minute": 27}
